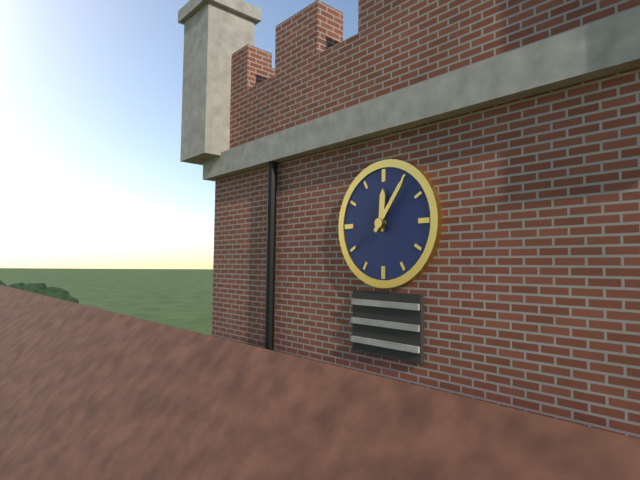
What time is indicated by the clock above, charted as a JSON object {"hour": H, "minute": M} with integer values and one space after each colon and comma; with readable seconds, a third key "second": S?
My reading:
{"hour": 12, "minute": 6}
